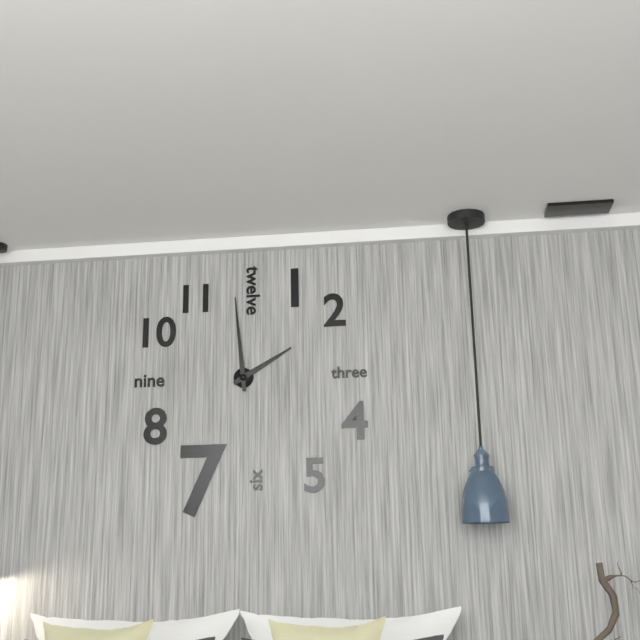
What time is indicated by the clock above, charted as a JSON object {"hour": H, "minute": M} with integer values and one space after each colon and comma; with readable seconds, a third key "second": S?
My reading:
{"hour": 1, "minute": 59}
